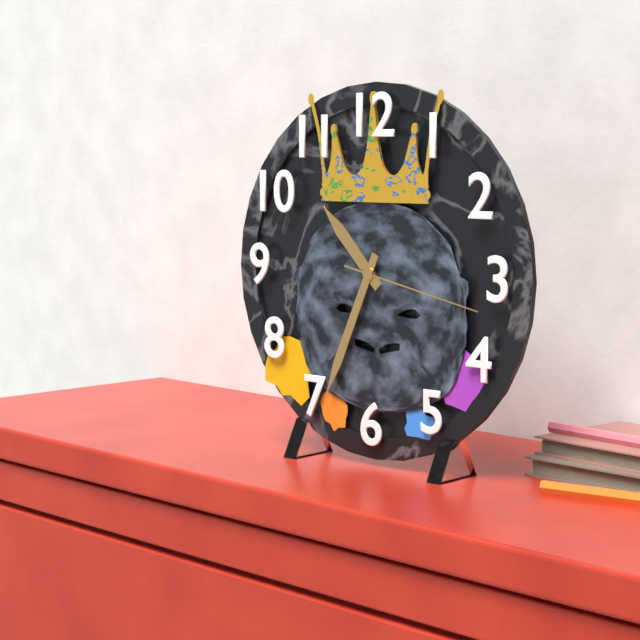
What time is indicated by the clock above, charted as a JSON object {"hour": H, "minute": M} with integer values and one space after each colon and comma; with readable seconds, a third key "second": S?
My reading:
{"hour": 10, "minute": 34, "second": 17}
